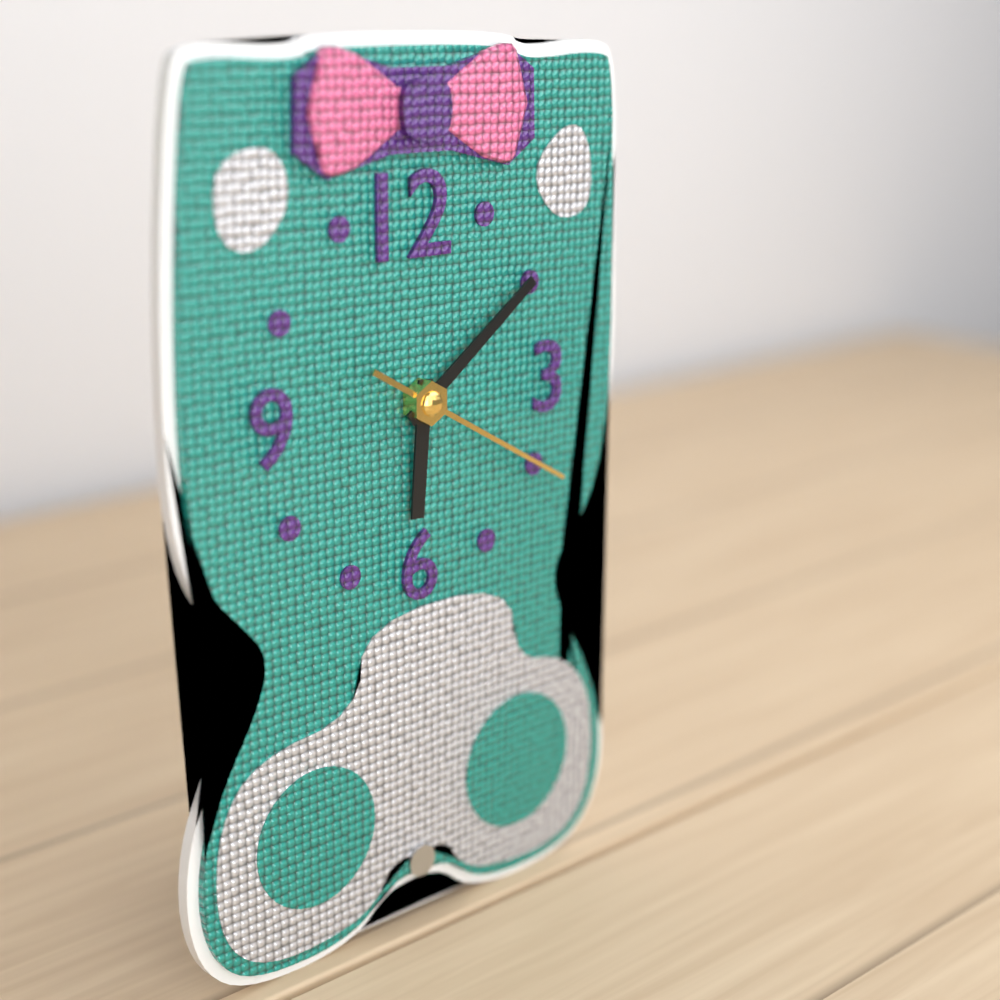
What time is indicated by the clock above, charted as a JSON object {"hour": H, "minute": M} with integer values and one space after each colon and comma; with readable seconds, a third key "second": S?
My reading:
{"hour": 6, "minute": 9, "second": 20}
